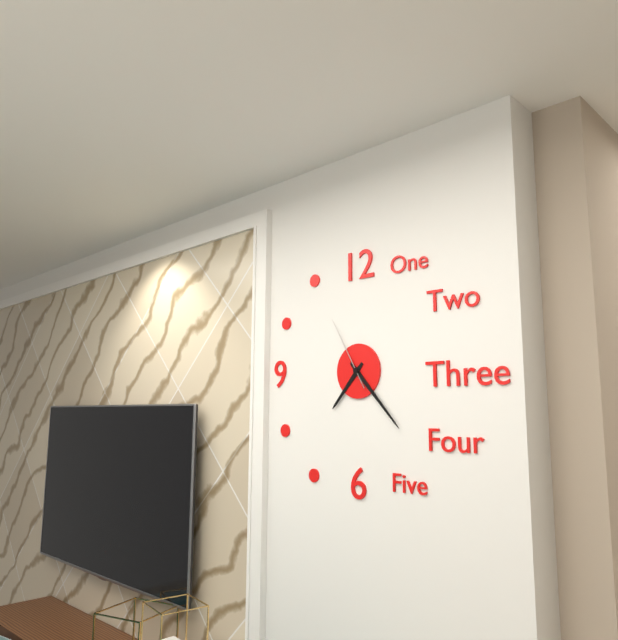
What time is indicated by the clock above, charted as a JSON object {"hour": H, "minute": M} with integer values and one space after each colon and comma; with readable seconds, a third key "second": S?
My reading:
{"hour": 7, "minute": 23, "second": 55}
